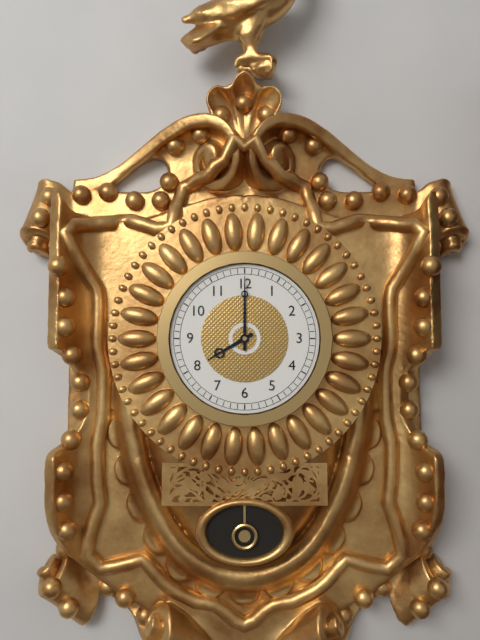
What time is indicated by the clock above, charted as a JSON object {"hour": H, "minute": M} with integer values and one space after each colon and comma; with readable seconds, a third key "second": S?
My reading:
{"hour": 8, "minute": 0}
